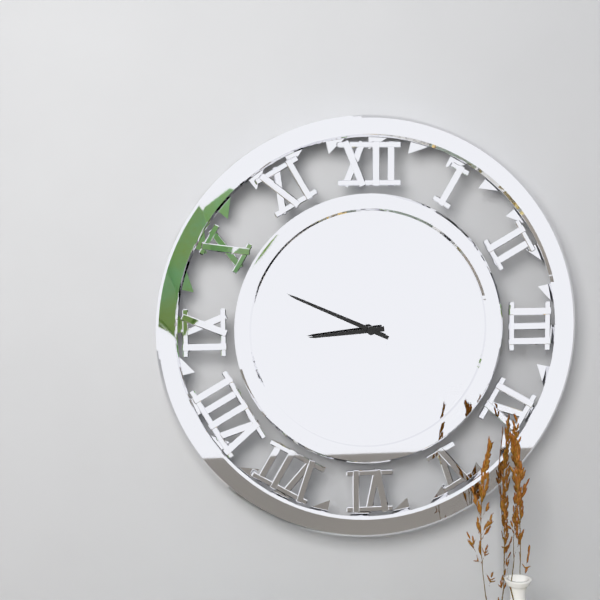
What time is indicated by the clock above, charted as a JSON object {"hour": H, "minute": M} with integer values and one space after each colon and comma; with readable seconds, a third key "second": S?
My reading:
{"hour": 8, "minute": 49}
